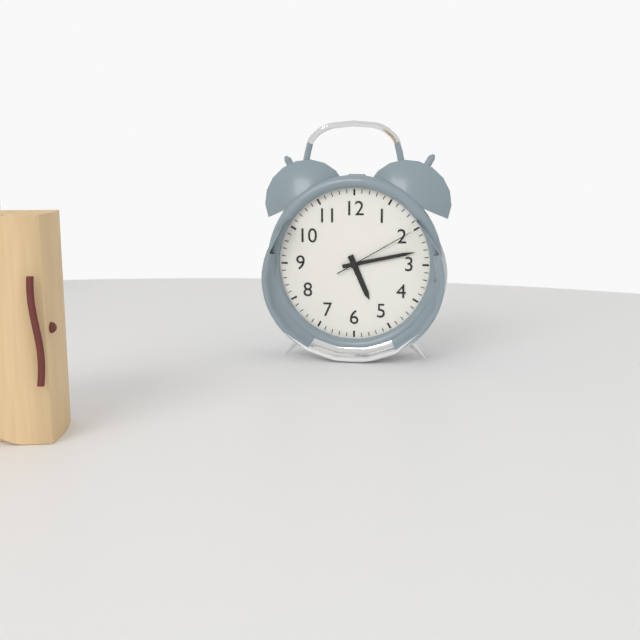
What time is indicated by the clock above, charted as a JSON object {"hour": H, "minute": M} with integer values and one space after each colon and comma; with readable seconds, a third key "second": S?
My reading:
{"hour": 5, "minute": 13, "second": 10}
